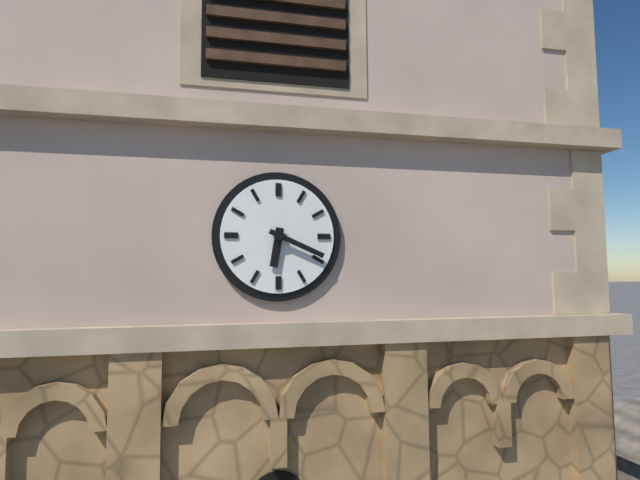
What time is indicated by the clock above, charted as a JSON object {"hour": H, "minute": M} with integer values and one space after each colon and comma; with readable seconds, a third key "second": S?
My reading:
{"hour": 6, "minute": 19}
